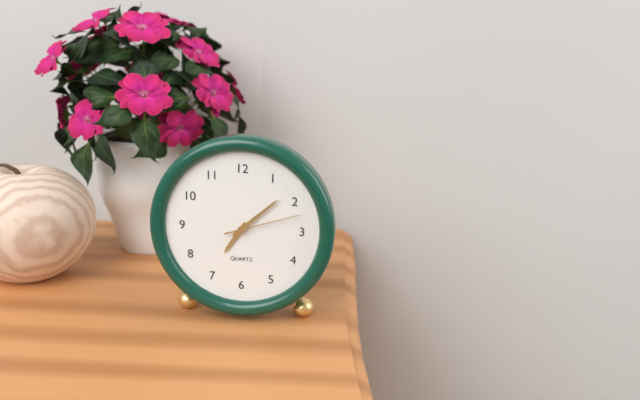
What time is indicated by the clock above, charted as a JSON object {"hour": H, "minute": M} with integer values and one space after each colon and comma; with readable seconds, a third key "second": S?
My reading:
{"hour": 7, "minute": 8, "second": 12}
